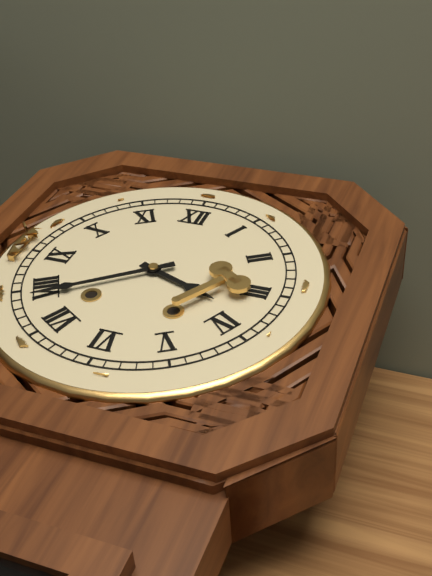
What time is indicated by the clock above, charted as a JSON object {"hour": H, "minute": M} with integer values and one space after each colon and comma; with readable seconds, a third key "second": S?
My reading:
{"hour": 3, "minute": 39}
